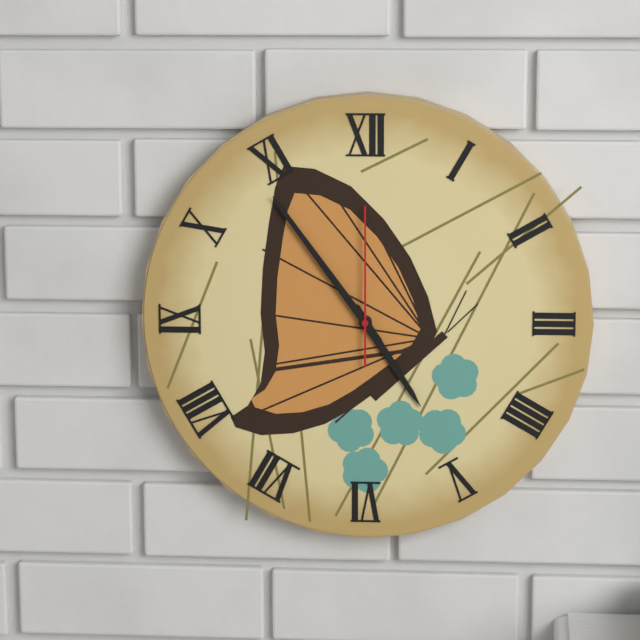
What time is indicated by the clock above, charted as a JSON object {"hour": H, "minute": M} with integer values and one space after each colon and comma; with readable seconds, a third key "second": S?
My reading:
{"hour": 4, "minute": 54, "second": 0}
